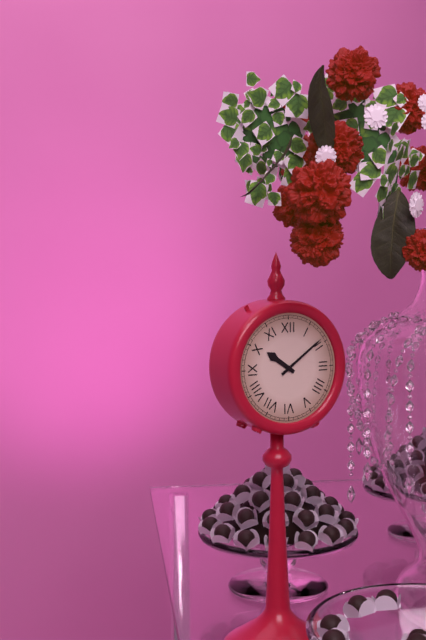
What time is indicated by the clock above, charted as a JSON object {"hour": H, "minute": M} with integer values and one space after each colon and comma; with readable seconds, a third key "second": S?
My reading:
{"hour": 10, "minute": 9}
